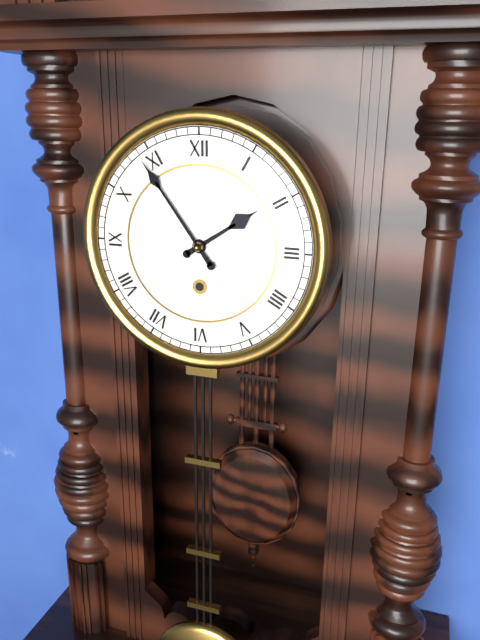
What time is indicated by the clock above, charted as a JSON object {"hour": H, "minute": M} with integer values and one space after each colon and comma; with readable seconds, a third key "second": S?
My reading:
{"hour": 1, "minute": 54}
